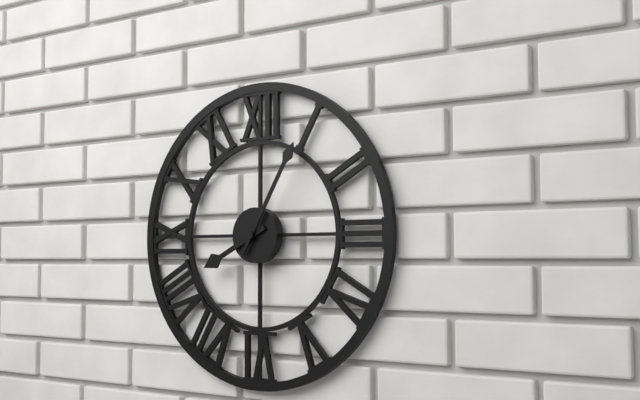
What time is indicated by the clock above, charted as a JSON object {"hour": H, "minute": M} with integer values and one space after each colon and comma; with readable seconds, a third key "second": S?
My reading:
{"hour": 8, "minute": 5}
